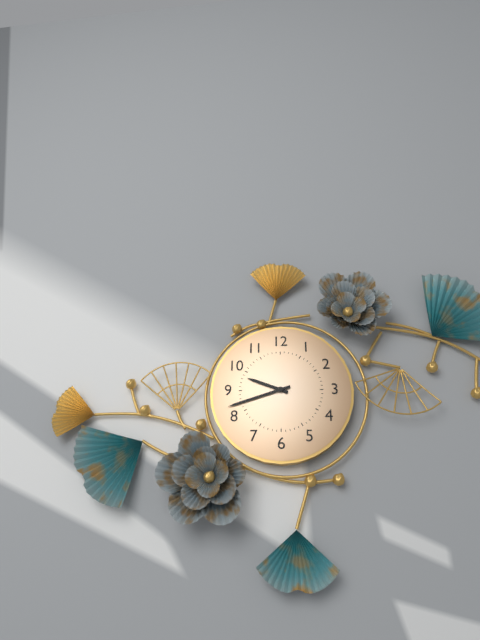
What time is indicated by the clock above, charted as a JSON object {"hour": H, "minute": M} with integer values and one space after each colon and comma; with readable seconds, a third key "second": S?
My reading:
{"hour": 9, "minute": 42}
